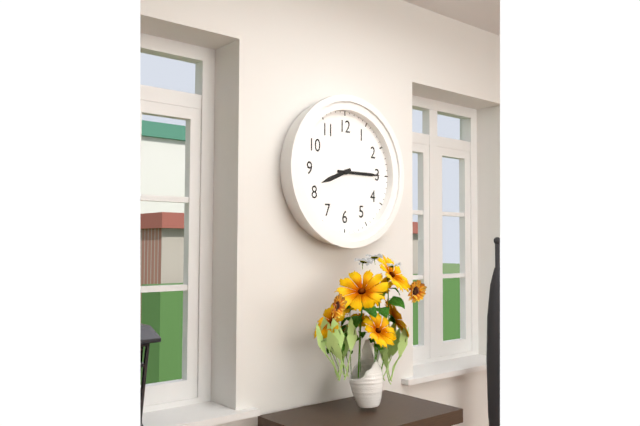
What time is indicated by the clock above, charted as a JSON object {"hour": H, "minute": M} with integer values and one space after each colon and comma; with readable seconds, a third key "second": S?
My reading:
{"hour": 8, "minute": 15}
